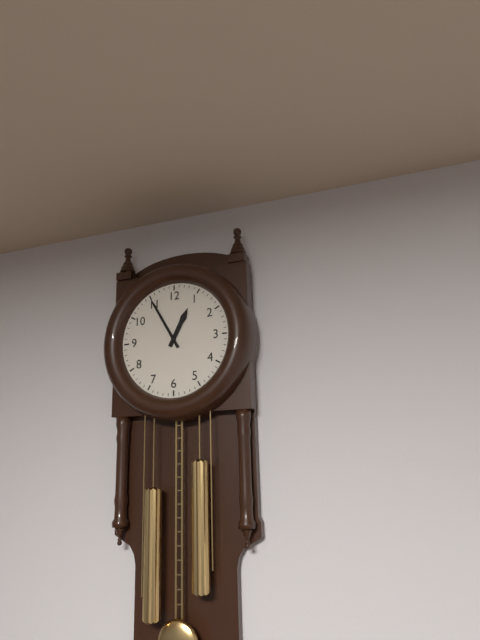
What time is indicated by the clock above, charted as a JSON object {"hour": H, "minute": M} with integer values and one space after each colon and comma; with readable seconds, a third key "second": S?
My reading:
{"hour": 12, "minute": 55}
